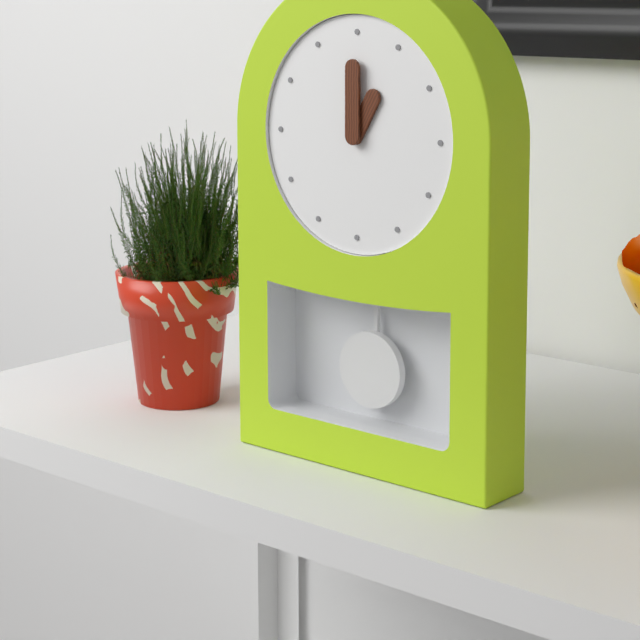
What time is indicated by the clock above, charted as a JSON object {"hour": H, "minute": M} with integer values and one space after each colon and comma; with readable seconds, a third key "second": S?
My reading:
{"hour": 1, "minute": 0}
